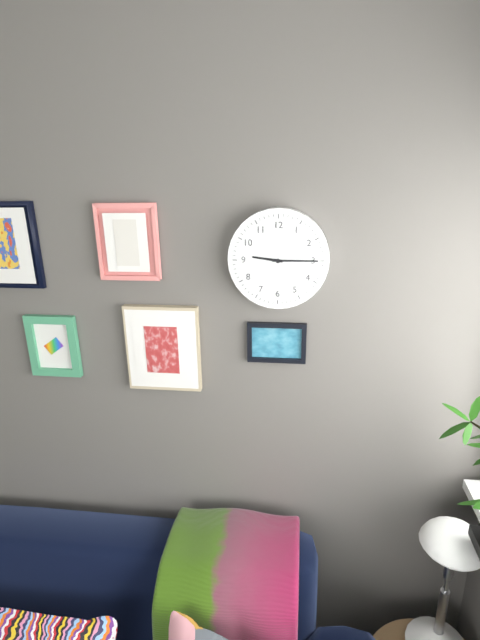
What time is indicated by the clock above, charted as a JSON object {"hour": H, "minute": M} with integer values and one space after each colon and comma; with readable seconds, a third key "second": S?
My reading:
{"hour": 9, "minute": 15}
